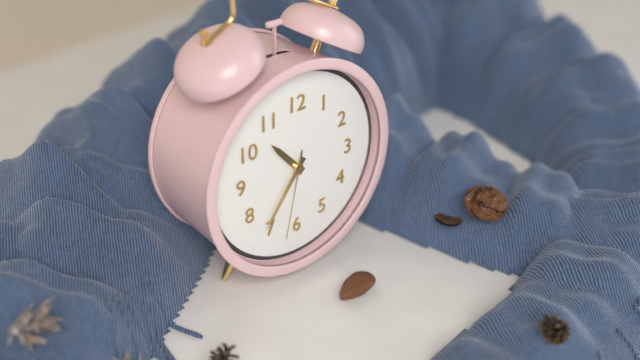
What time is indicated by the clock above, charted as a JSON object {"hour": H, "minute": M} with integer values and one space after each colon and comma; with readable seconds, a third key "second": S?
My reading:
{"hour": 10, "minute": 36, "second": 32}
